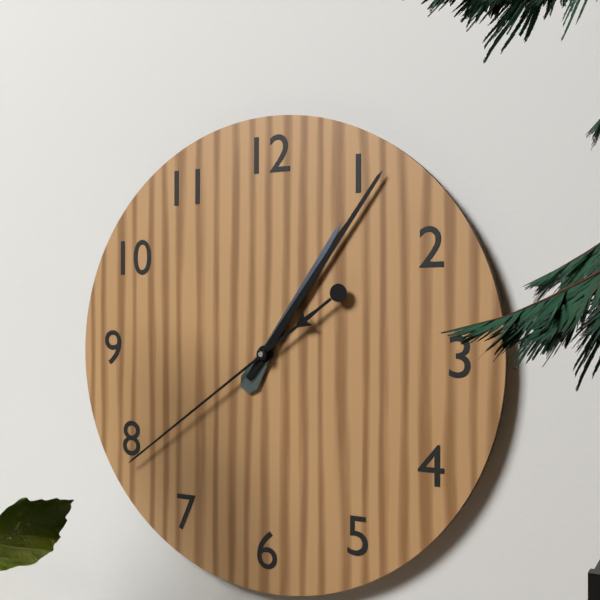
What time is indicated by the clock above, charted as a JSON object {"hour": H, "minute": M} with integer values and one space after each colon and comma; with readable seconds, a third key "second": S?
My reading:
{"hour": 1, "minute": 6, "second": 39}
